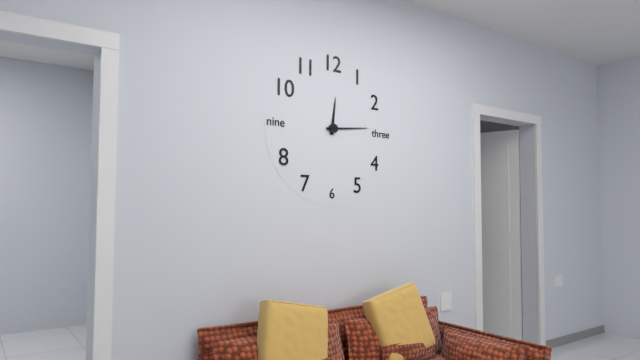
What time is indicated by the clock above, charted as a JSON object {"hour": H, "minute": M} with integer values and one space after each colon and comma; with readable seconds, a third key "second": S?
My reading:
{"hour": 12, "minute": 14}
